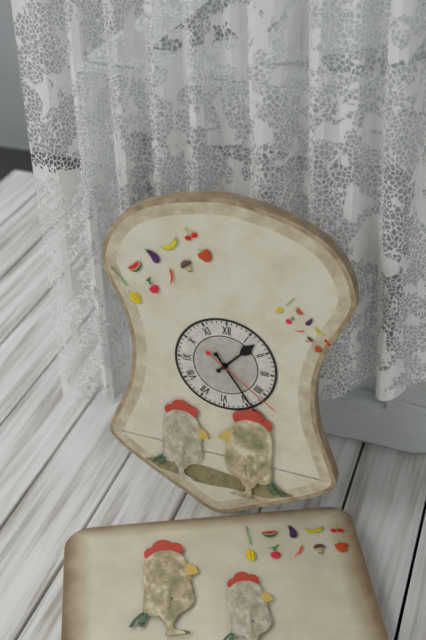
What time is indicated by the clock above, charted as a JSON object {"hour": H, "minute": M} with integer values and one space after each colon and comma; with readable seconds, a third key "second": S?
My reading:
{"hour": 1, "minute": 24, "second": 21}
